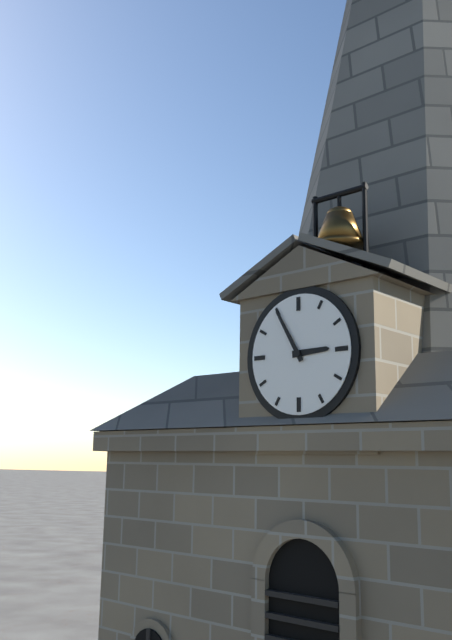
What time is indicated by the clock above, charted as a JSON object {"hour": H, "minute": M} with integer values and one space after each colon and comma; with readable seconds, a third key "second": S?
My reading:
{"hour": 2, "minute": 55}
